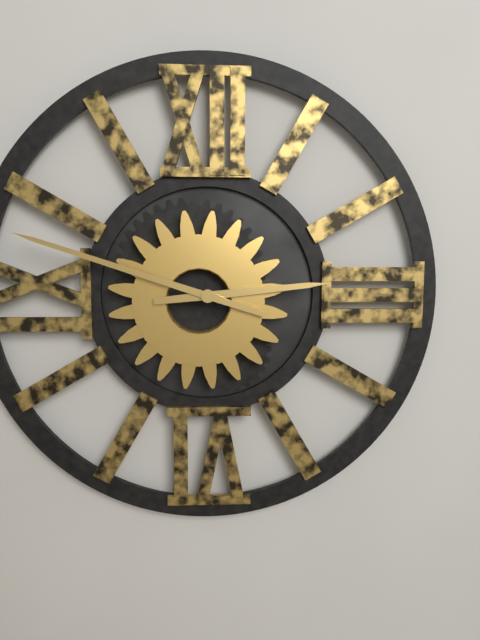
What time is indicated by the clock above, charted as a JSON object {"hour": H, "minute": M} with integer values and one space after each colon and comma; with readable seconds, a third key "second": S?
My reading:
{"hour": 2, "minute": 48}
